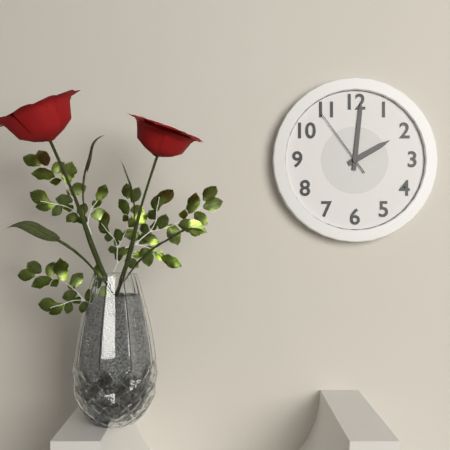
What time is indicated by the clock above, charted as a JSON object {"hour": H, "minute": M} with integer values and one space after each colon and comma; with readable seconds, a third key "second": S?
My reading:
{"hour": 2, "minute": 1, "second": 54}
